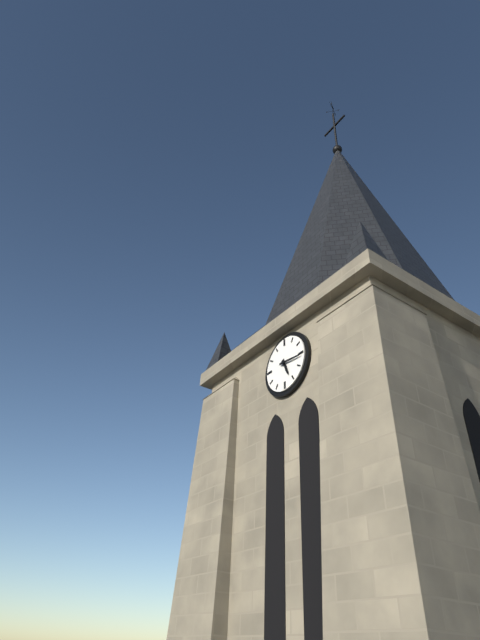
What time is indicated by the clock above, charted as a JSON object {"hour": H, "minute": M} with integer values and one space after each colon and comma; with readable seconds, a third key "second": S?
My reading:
{"hour": 5, "minute": 16}
